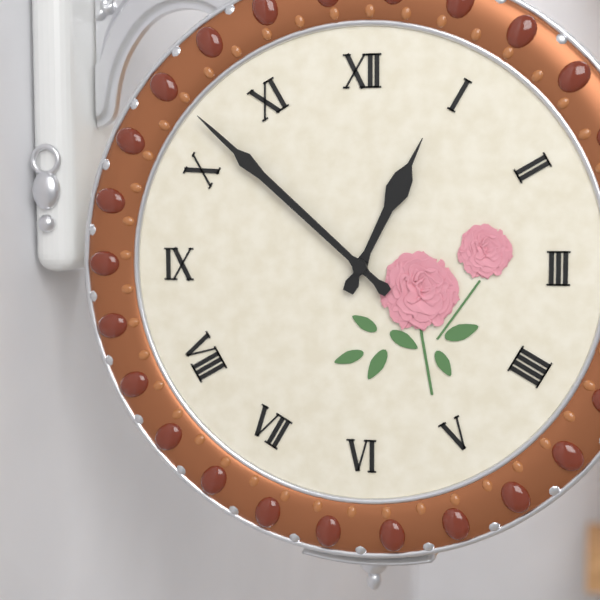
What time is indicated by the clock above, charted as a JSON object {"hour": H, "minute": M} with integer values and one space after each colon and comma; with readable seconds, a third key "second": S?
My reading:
{"hour": 12, "minute": 52}
